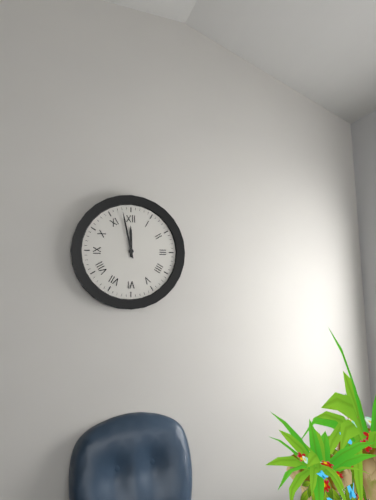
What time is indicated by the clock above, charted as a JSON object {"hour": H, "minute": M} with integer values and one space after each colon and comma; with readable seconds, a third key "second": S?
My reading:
{"hour": 11, "minute": 58}
